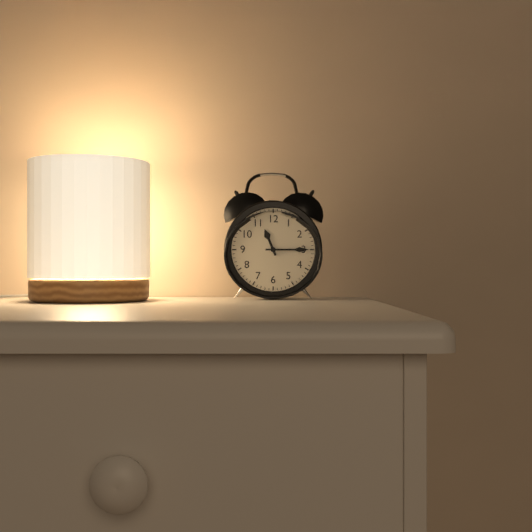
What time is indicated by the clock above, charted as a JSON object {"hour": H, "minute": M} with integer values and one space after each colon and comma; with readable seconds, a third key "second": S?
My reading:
{"hour": 11, "minute": 15}
